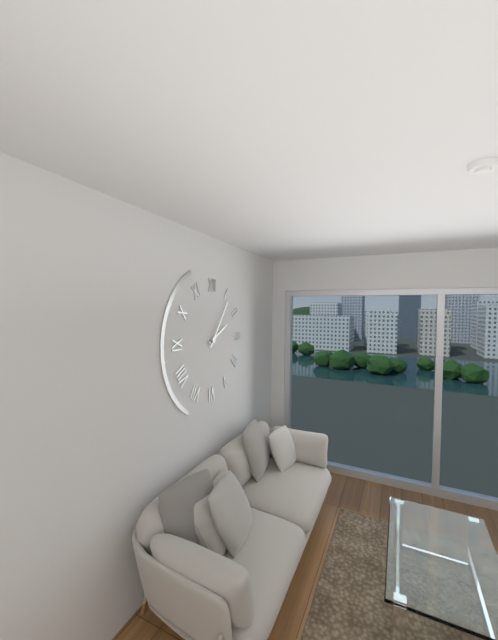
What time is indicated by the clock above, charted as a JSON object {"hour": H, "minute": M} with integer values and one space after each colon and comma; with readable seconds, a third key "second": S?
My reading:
{"hour": 2, "minute": 6}
